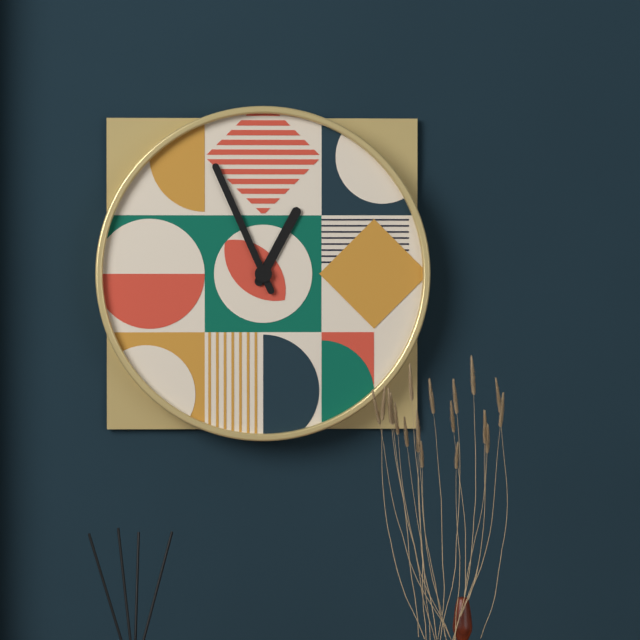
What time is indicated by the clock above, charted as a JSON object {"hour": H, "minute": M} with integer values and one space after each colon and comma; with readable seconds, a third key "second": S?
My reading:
{"hour": 12, "minute": 56}
